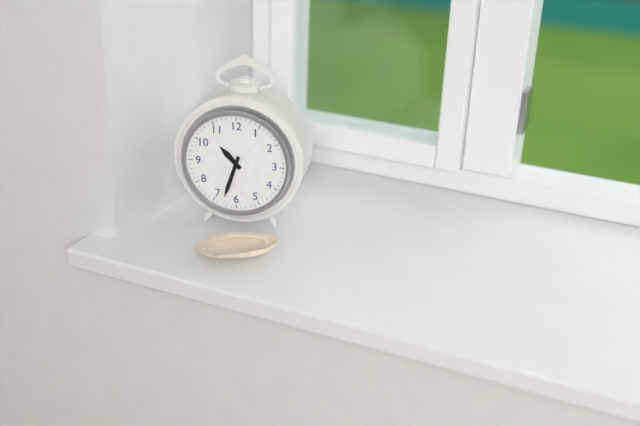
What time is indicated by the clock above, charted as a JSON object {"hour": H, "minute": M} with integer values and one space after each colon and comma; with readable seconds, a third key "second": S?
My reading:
{"hour": 10, "minute": 33}
